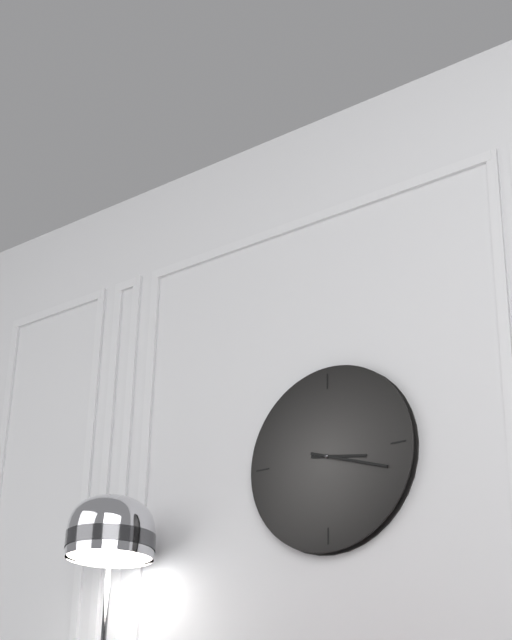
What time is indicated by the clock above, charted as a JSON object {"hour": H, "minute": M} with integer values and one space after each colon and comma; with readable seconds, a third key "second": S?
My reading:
{"hour": 3, "minute": 18}
